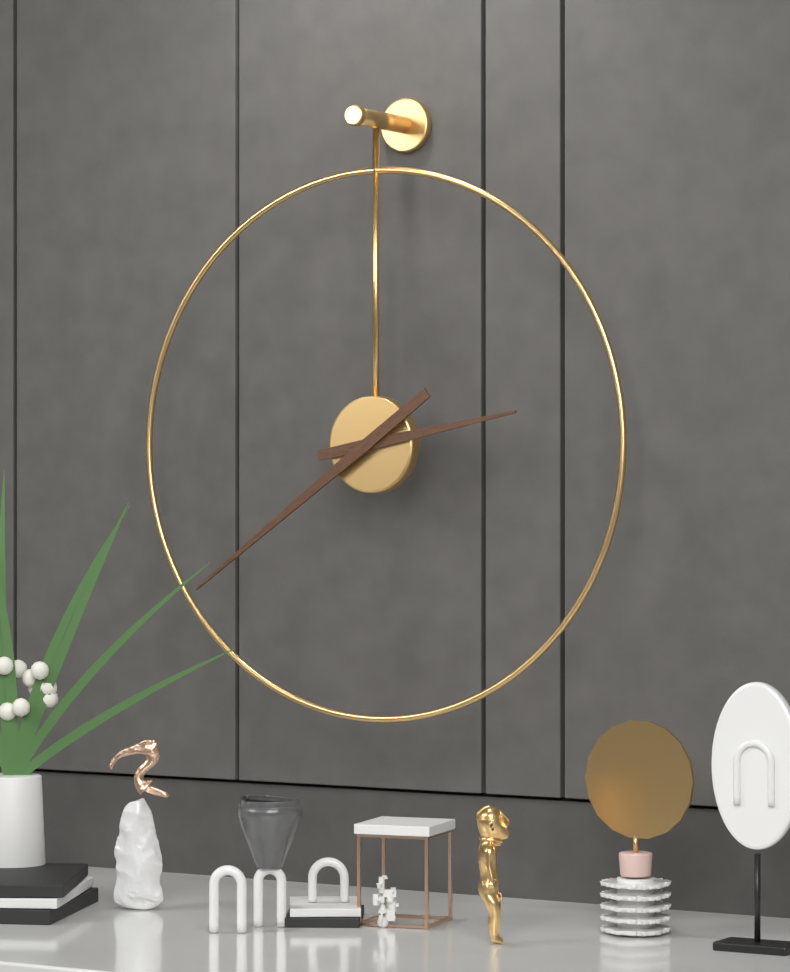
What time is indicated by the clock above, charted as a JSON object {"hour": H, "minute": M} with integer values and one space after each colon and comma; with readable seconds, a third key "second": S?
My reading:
{"hour": 2, "minute": 39}
